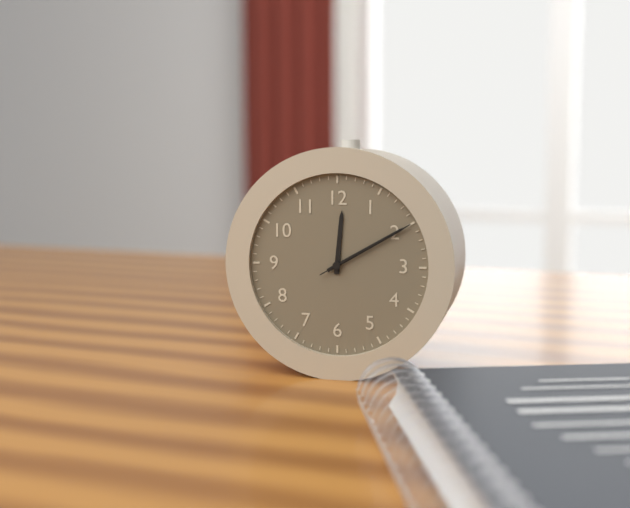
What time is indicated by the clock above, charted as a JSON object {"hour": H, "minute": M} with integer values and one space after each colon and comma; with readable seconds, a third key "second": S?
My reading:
{"hour": 12, "minute": 10, "second": 10}
